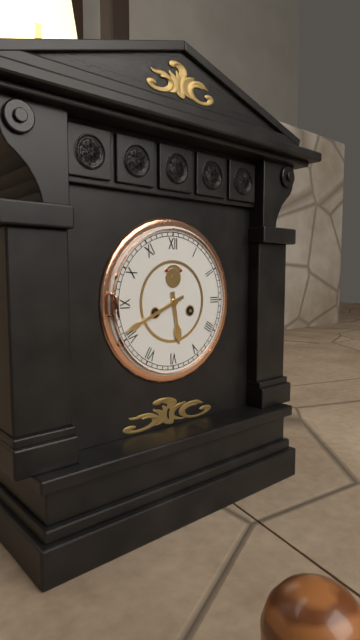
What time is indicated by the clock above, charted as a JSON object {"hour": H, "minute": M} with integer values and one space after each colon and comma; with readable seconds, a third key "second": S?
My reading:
{"hour": 5, "minute": 41}
